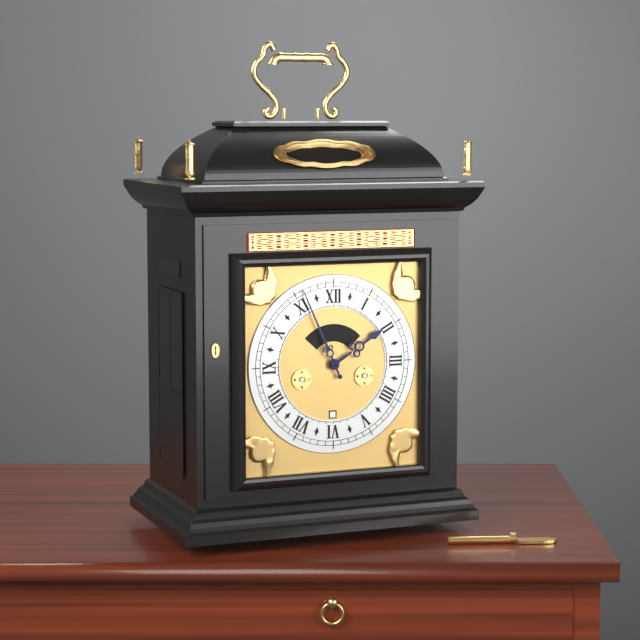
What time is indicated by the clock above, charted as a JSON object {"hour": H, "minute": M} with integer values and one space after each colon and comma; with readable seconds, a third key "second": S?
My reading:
{"hour": 1, "minute": 56}
